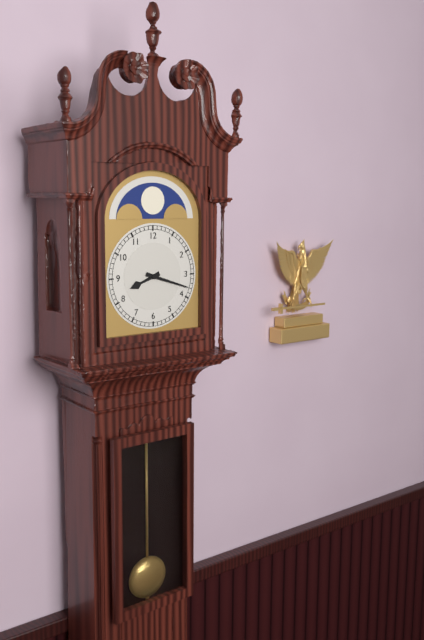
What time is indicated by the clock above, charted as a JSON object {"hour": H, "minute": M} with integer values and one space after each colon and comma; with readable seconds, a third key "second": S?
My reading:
{"hour": 8, "minute": 18}
